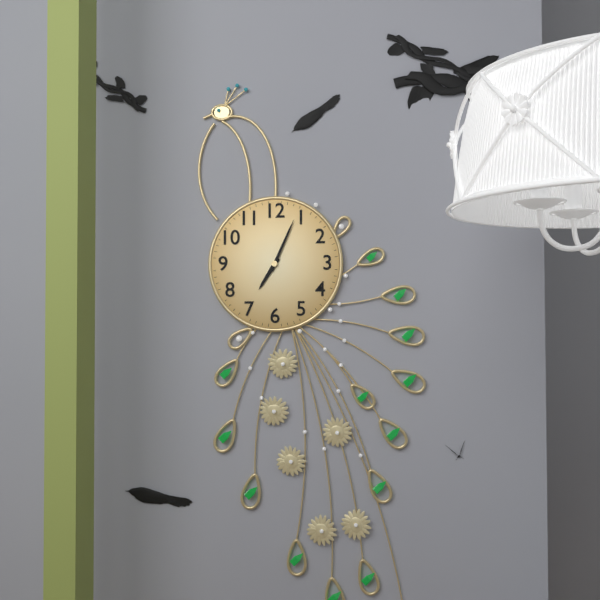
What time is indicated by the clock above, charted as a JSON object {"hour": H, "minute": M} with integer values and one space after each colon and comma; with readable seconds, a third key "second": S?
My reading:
{"hour": 7, "minute": 4}
